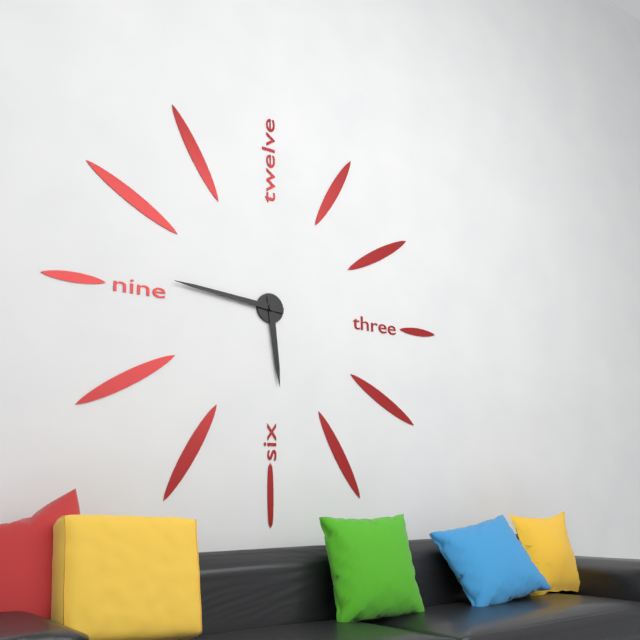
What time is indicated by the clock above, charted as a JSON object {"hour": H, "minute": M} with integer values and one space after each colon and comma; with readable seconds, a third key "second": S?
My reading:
{"hour": 5, "minute": 46}
